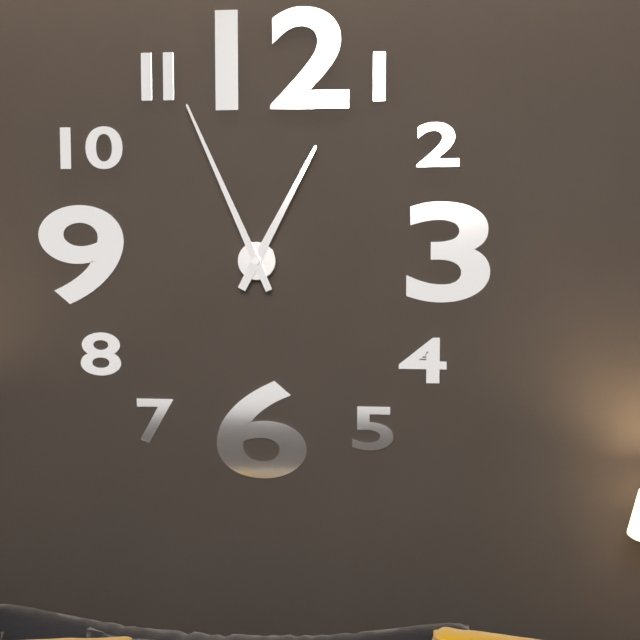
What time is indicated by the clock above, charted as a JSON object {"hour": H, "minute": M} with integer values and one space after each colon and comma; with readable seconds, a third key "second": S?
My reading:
{"hour": 12, "minute": 56}
